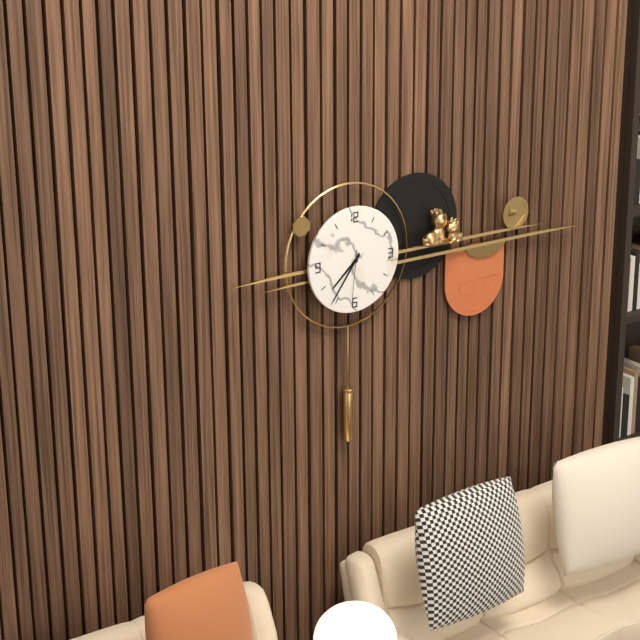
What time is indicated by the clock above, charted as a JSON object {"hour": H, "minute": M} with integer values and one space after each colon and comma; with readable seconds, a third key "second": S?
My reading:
{"hour": 7, "minute": 36, "second": 31}
